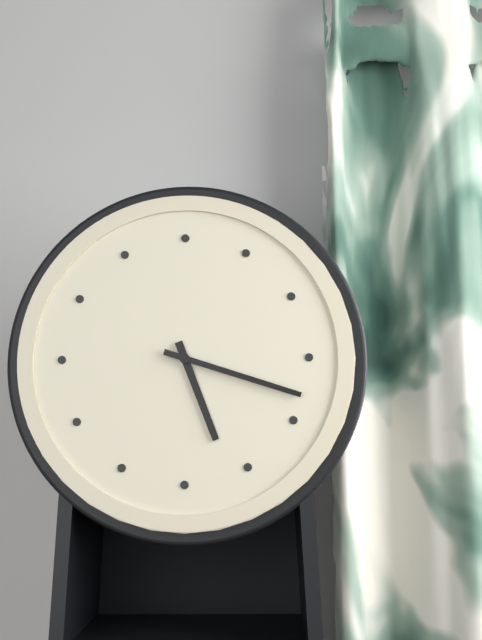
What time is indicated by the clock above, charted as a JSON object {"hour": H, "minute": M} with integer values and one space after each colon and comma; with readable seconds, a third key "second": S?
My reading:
{"hour": 5, "minute": 18}
